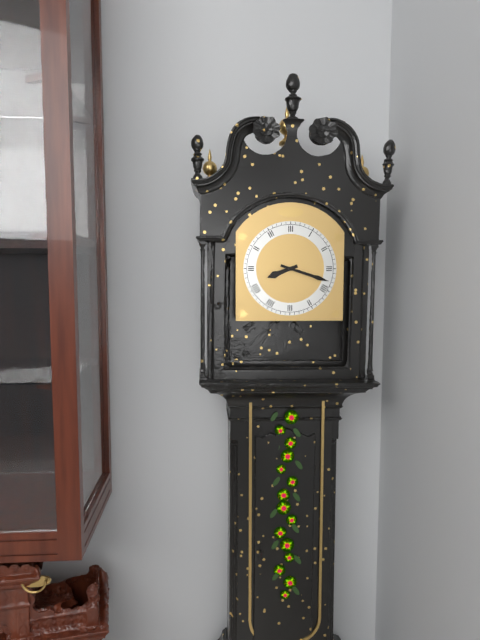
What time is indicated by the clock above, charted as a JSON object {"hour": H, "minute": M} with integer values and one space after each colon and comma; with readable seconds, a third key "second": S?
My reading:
{"hour": 8, "minute": 18}
